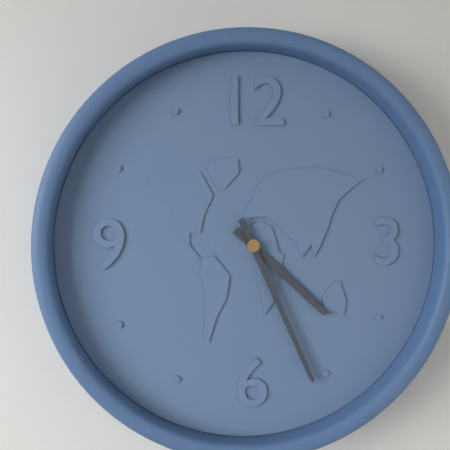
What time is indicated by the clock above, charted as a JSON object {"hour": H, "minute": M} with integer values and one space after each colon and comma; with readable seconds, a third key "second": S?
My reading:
{"hour": 4, "minute": 26}
